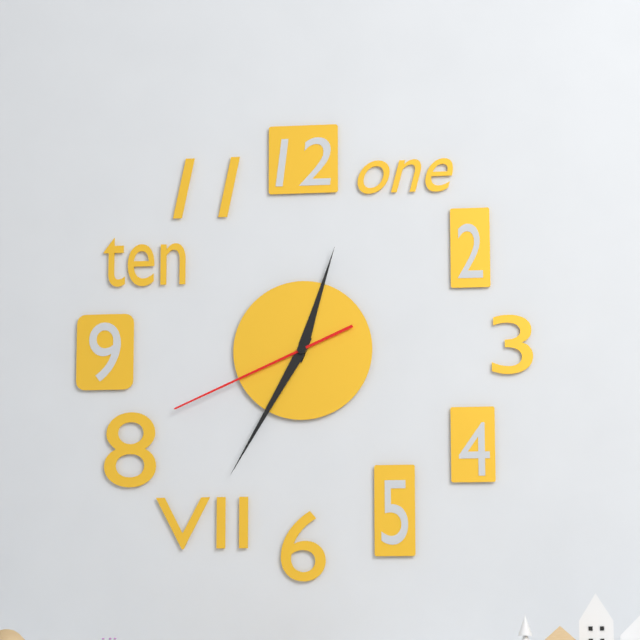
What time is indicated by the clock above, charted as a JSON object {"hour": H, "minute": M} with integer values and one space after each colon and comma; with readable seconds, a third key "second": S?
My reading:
{"hour": 12, "minute": 35, "second": 41}
